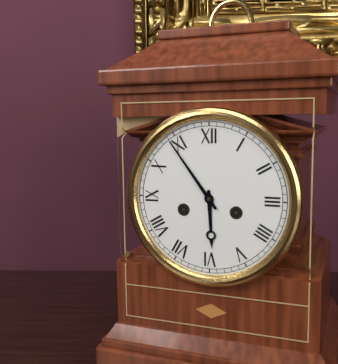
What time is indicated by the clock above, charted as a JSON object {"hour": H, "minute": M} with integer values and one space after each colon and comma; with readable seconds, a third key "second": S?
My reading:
{"hour": 5, "minute": 54}
